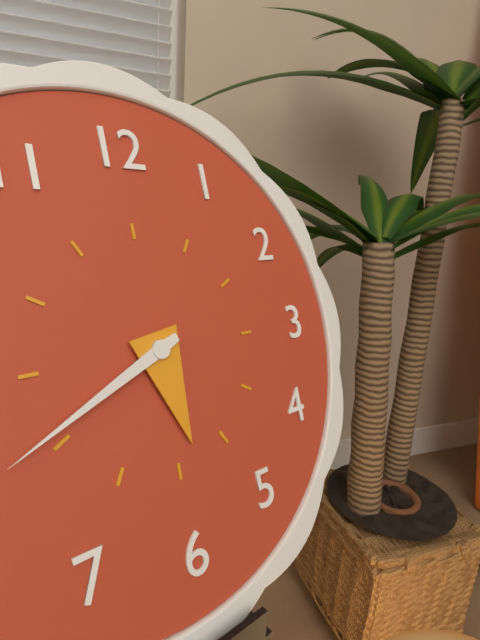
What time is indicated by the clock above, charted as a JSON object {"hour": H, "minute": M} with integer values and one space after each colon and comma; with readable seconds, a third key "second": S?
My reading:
{"hour": 5, "minute": 41}
